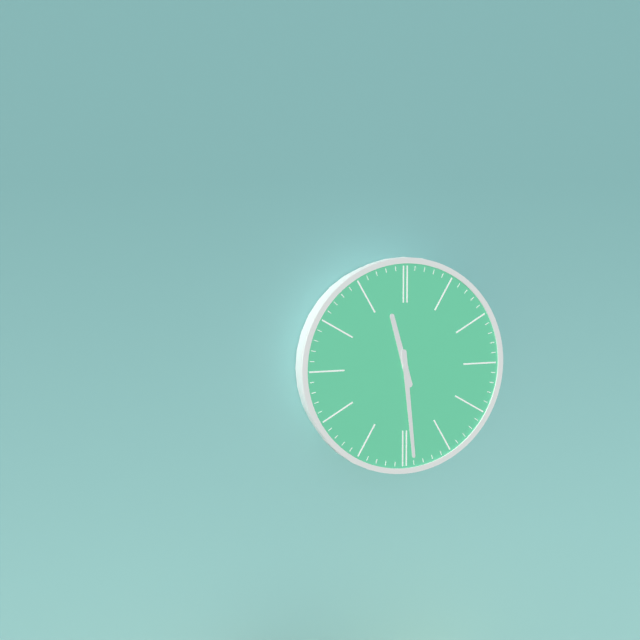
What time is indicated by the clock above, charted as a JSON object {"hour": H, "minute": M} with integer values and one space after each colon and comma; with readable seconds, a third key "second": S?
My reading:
{"hour": 11, "minute": 29}
